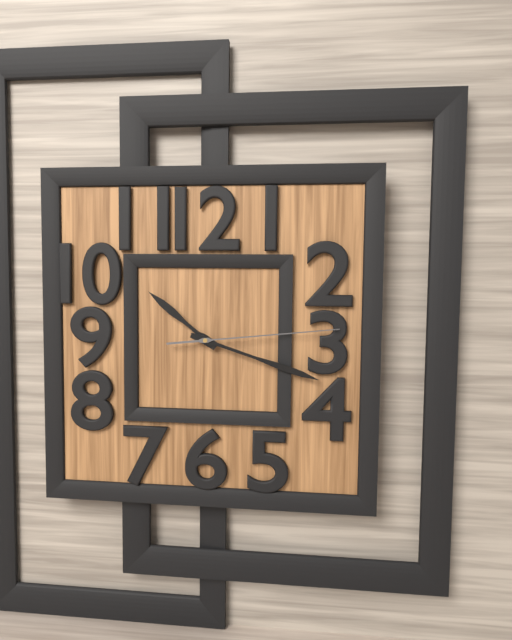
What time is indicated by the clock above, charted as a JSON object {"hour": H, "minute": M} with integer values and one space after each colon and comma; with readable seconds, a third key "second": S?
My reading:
{"hour": 10, "minute": 18, "second": 14}
